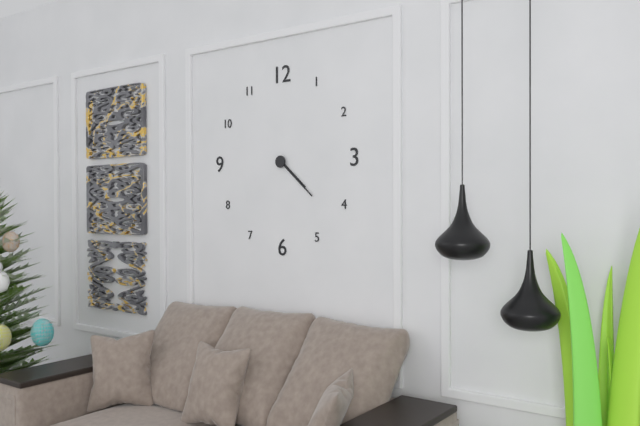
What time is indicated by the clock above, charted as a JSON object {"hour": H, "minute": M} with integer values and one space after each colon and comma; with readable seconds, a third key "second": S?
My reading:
{"hour": 4, "minute": 22}
